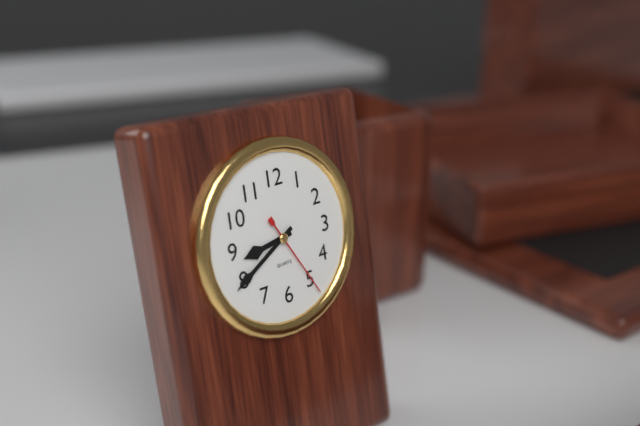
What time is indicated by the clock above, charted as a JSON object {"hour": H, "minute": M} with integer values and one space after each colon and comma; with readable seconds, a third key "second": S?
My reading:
{"hour": 8, "minute": 40, "second": 25}
